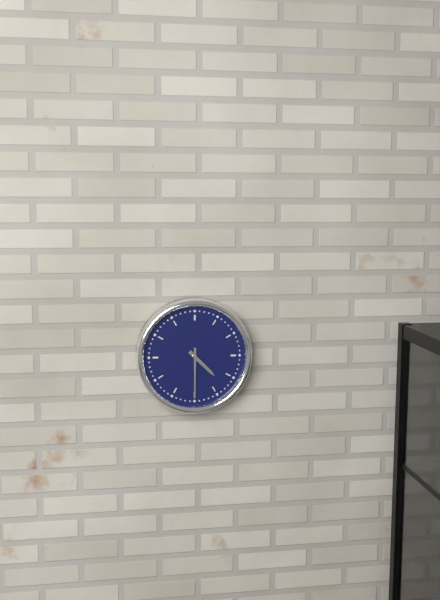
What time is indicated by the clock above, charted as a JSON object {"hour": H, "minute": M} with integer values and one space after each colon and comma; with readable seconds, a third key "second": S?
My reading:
{"hour": 4, "minute": 30}
